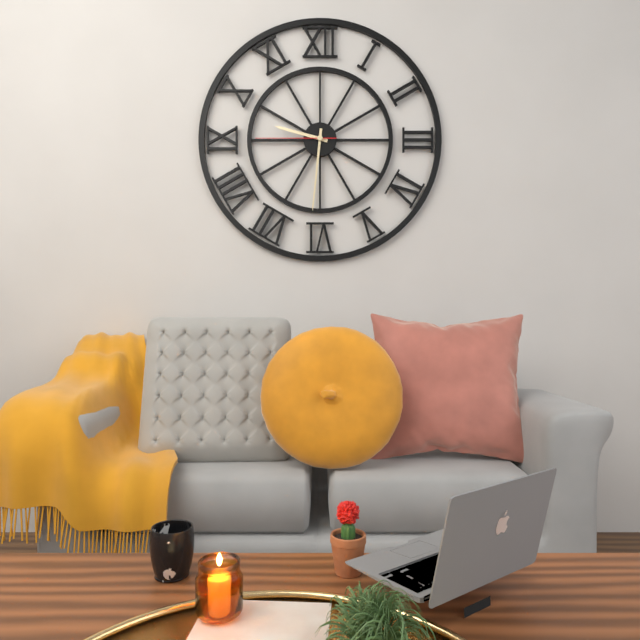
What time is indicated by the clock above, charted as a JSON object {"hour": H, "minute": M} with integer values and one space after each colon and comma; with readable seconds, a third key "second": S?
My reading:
{"hour": 9, "minute": 31, "second": 45}
